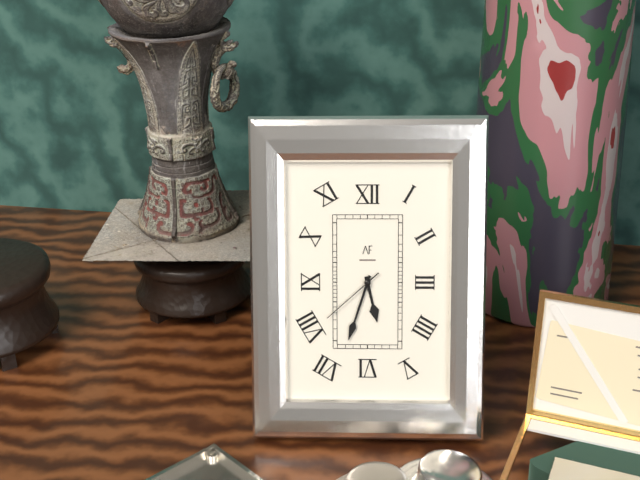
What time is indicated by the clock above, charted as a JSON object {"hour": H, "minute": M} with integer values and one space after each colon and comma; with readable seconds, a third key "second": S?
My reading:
{"hour": 5, "minute": 33, "second": 38}
